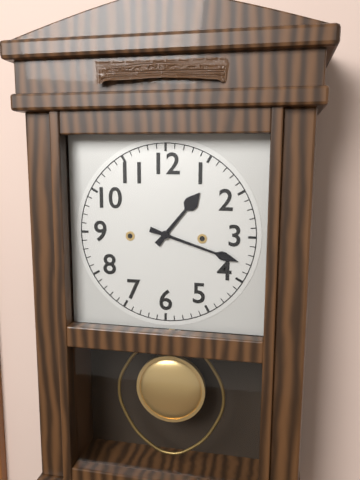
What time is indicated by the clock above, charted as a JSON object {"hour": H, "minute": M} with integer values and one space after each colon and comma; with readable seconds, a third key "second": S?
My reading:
{"hour": 1, "minute": 18}
